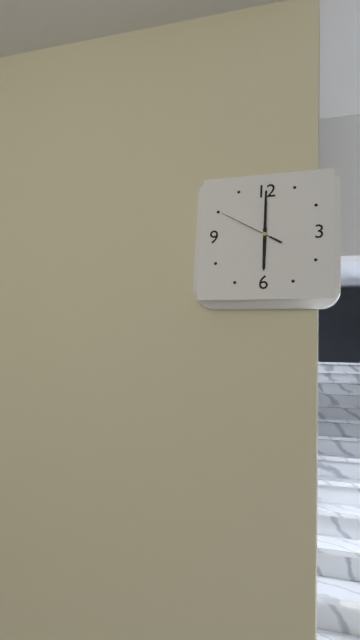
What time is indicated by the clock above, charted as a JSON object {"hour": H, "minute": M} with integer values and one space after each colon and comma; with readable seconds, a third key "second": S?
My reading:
{"hour": 6, "minute": 0, "second": 50}
